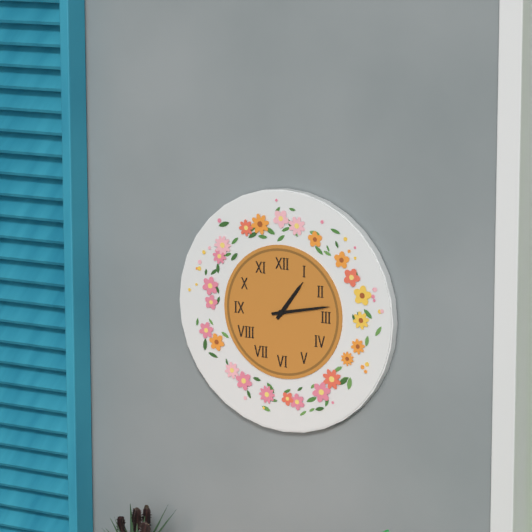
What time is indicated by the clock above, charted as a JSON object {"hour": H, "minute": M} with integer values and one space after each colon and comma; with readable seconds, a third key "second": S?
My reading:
{"hour": 1, "minute": 13}
